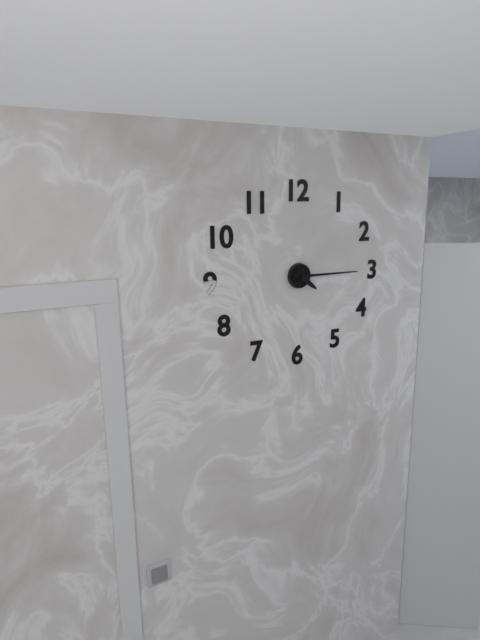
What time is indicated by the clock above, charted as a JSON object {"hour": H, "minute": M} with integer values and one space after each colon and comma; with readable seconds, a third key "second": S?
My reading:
{"hour": 4, "minute": 15}
